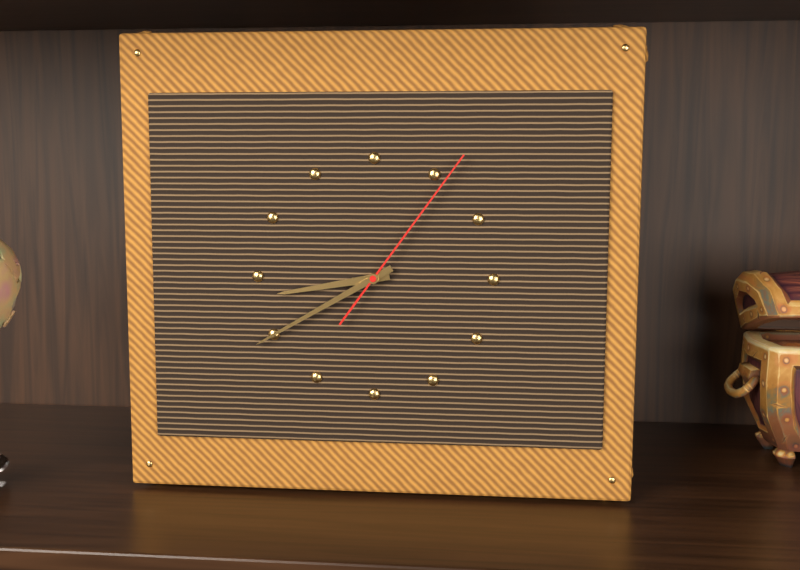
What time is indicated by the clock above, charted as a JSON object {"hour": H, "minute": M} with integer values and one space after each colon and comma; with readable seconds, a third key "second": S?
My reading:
{"hour": 8, "minute": 40, "second": 6}
